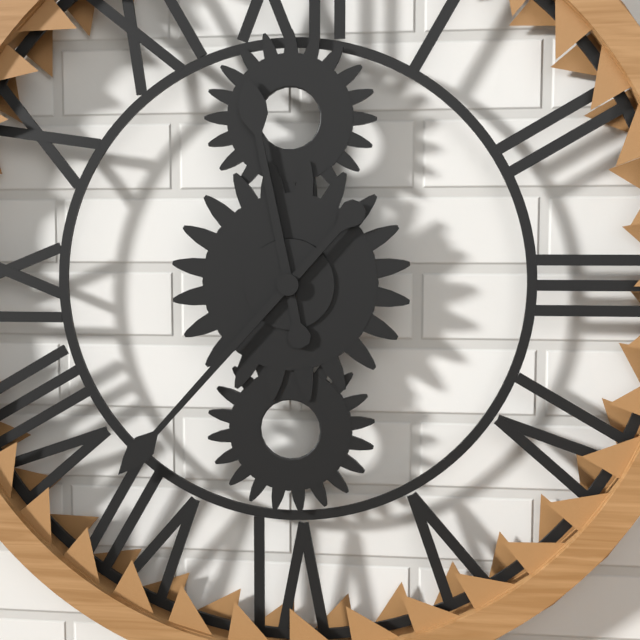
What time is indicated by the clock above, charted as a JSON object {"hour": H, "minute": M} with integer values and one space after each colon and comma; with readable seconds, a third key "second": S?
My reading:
{"hour": 11, "minute": 37}
